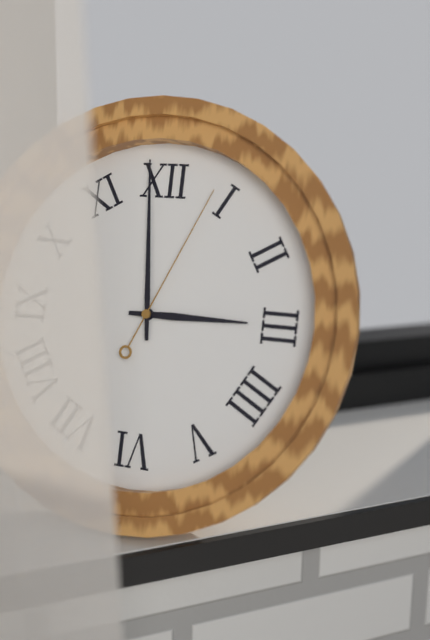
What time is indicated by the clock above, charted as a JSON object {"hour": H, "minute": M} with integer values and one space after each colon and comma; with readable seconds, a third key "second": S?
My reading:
{"hour": 2, "minute": 59, "second": 4}
